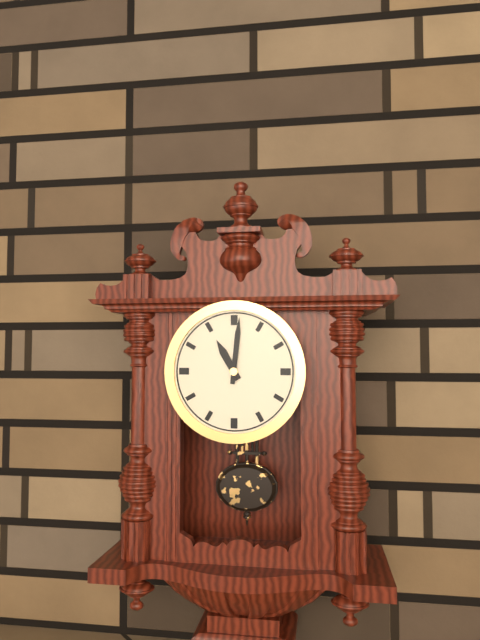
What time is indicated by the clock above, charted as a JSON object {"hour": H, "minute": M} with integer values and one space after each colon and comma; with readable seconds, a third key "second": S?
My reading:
{"hour": 11, "minute": 1}
